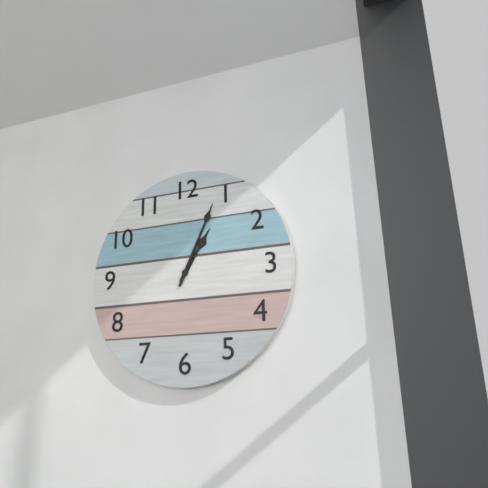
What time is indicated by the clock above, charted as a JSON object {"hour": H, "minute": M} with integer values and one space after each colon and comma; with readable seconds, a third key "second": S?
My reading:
{"hour": 1, "minute": 4}
